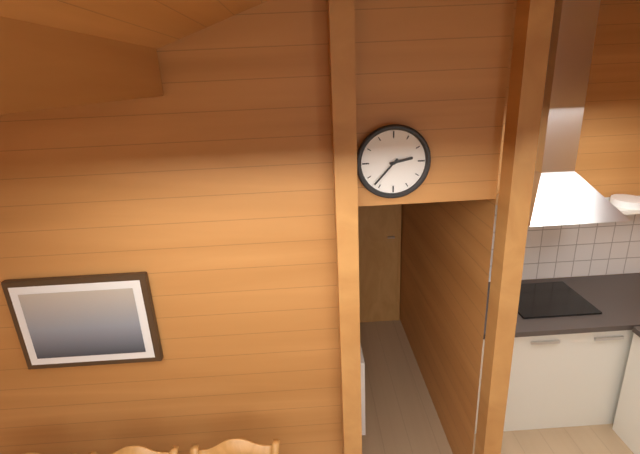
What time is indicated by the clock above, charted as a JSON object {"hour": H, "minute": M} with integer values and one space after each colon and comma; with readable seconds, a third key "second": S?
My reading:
{"hour": 2, "minute": 37}
